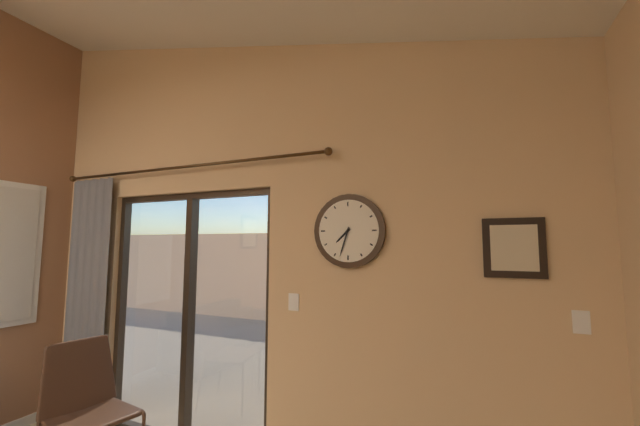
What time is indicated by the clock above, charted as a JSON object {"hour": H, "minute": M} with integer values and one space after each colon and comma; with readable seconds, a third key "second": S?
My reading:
{"hour": 7, "minute": 33}
